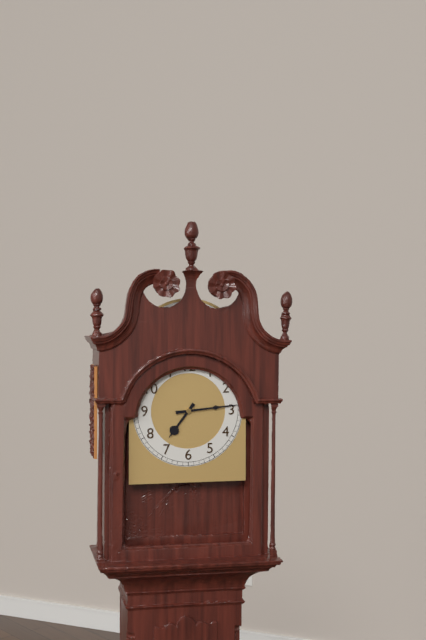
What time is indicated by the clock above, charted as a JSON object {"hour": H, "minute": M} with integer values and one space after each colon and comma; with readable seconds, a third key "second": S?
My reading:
{"hour": 7, "minute": 14}
